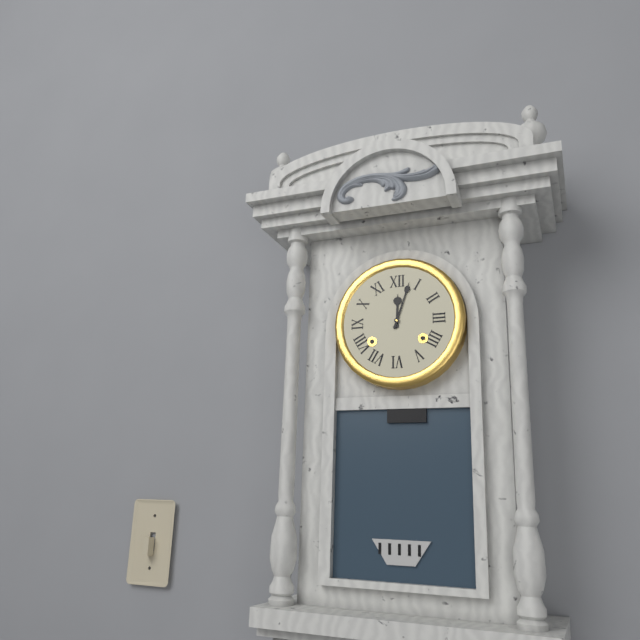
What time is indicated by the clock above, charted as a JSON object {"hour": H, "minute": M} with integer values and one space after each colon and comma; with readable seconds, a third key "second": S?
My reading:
{"hour": 12, "minute": 3}
